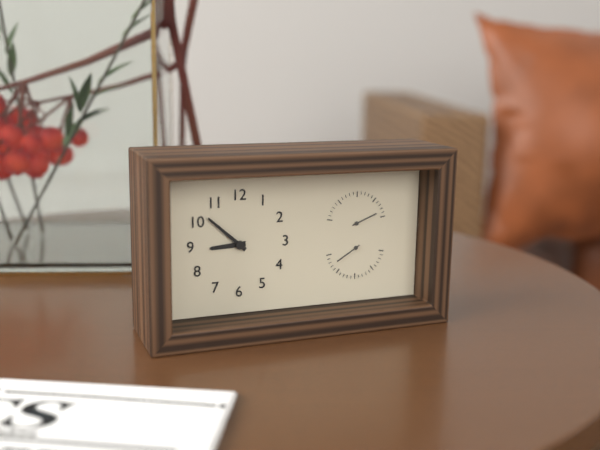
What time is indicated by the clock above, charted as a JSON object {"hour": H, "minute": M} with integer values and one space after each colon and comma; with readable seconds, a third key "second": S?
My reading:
{"hour": 8, "minute": 52}
